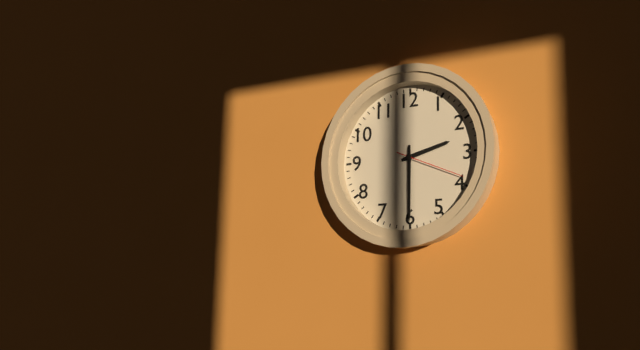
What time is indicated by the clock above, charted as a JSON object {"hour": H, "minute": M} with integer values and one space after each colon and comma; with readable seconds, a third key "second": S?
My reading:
{"hour": 2, "minute": 30, "second": 19}
